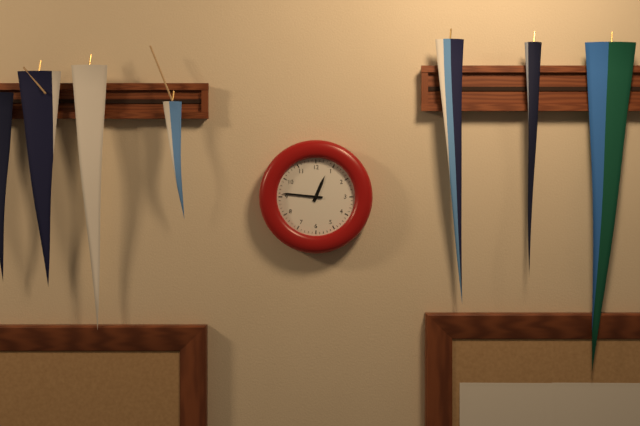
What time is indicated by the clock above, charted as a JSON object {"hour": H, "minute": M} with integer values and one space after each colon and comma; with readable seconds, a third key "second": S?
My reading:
{"hour": 12, "minute": 46}
